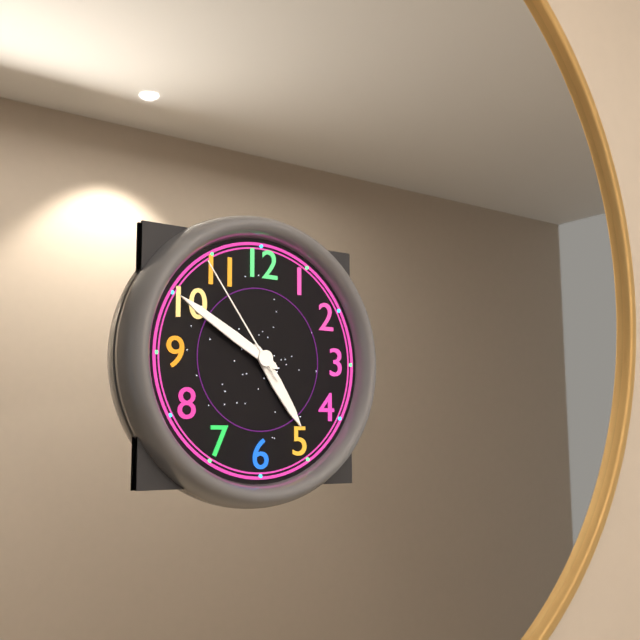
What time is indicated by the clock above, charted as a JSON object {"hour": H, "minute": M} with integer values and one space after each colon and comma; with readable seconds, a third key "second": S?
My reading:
{"hour": 4, "minute": 50, "second": 54}
